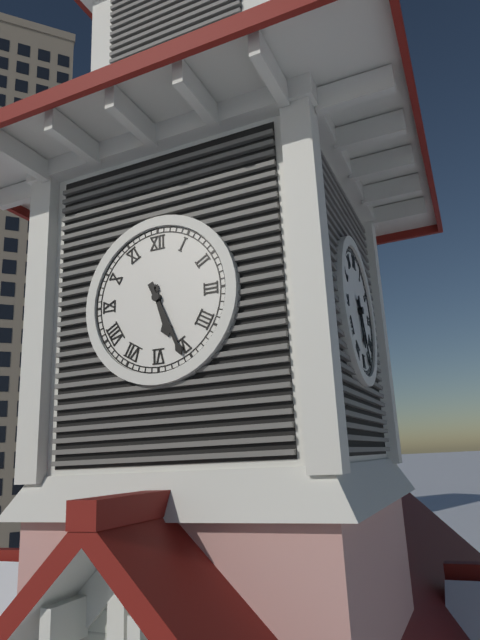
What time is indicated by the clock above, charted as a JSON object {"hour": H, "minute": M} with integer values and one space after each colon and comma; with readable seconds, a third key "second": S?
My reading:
{"hour": 5, "minute": 26}
